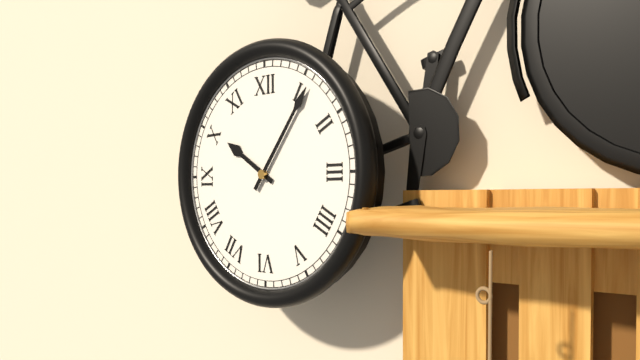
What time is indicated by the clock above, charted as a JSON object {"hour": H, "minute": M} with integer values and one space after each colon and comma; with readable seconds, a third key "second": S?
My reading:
{"hour": 10, "minute": 6}
